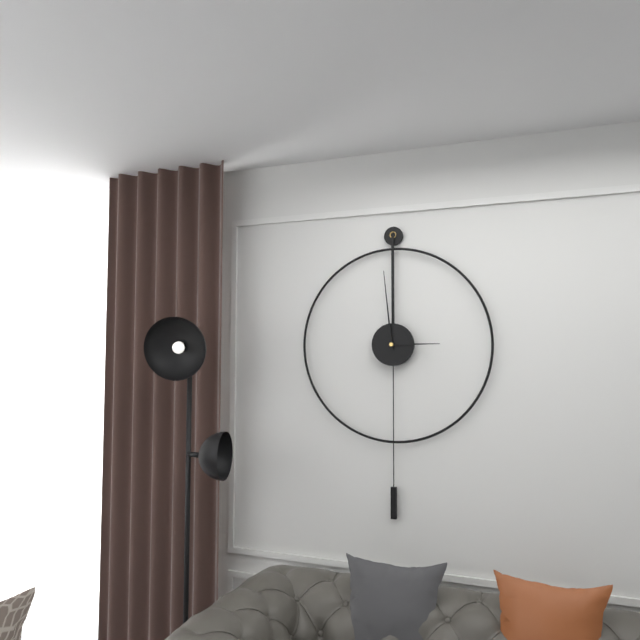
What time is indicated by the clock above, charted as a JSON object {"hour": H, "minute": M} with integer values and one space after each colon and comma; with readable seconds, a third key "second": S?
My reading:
{"hour": 2, "minute": 59}
